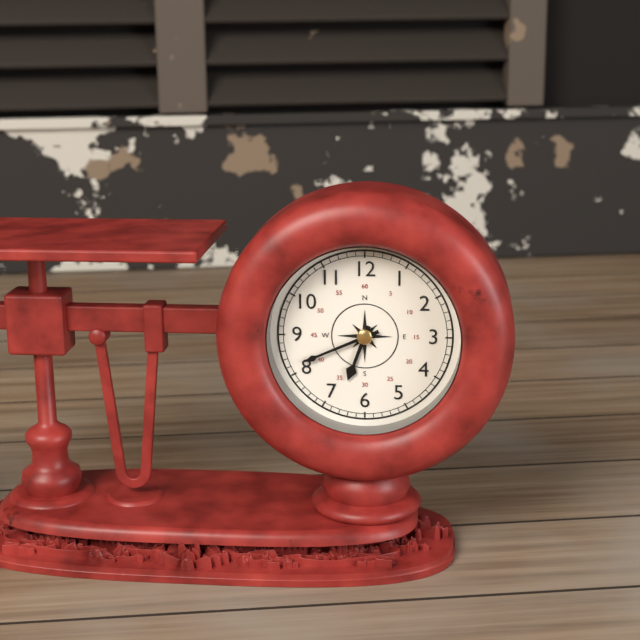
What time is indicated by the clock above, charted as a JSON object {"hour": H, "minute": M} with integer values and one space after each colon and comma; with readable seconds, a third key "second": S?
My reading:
{"hour": 6, "minute": 41}
